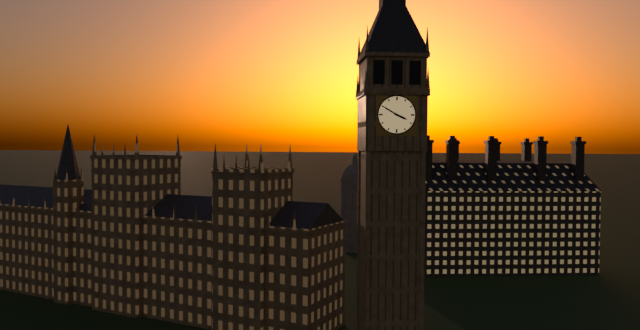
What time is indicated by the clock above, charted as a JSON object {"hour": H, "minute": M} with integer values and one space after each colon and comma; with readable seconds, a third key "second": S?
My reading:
{"hour": 3, "minute": 50}
